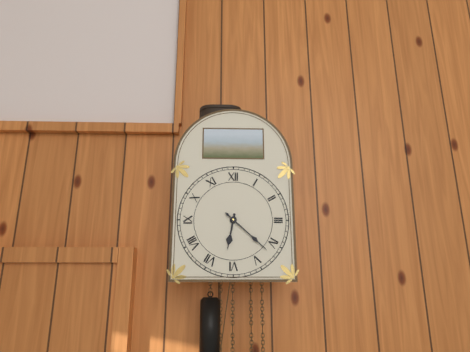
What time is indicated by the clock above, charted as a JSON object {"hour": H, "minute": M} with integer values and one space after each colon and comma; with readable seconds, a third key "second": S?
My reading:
{"hour": 6, "minute": 22}
